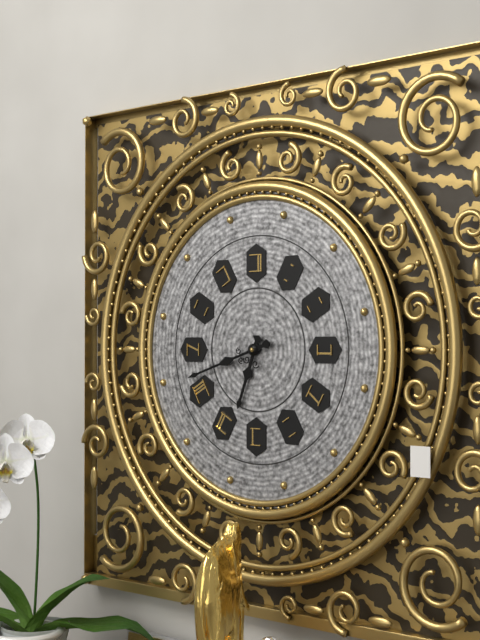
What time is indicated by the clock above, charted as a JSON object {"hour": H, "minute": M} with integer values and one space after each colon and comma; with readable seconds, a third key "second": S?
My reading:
{"hour": 6, "minute": 42}
